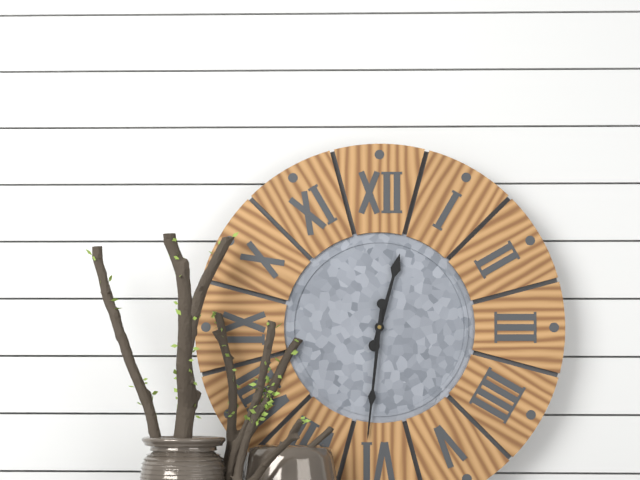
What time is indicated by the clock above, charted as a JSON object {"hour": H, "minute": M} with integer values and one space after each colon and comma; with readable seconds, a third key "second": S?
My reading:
{"hour": 12, "minute": 31}
